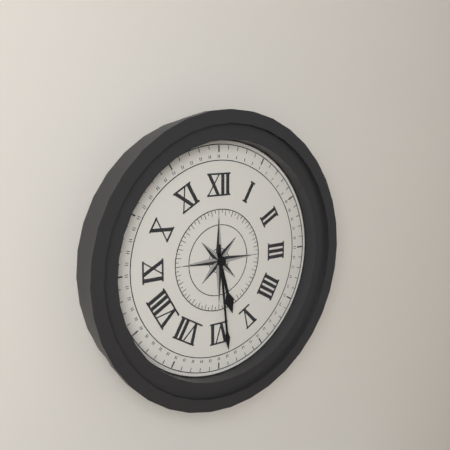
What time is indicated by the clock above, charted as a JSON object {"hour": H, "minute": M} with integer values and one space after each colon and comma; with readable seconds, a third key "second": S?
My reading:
{"hour": 5, "minute": 29}
